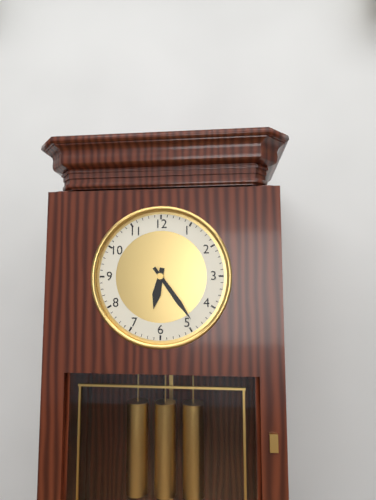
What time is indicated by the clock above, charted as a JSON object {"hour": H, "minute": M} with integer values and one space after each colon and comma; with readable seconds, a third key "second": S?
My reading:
{"hour": 6, "minute": 24}
